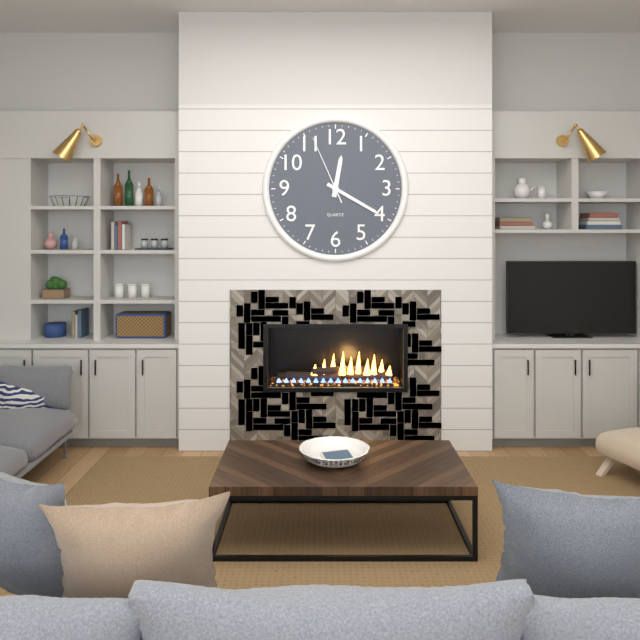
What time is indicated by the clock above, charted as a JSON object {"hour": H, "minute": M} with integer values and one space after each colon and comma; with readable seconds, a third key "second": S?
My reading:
{"hour": 12, "minute": 20, "second": 56}
